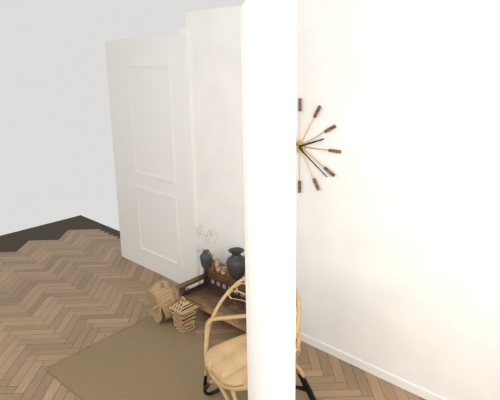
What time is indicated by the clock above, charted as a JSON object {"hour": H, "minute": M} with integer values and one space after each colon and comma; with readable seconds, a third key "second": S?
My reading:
{"hour": 2, "minute": 21}
